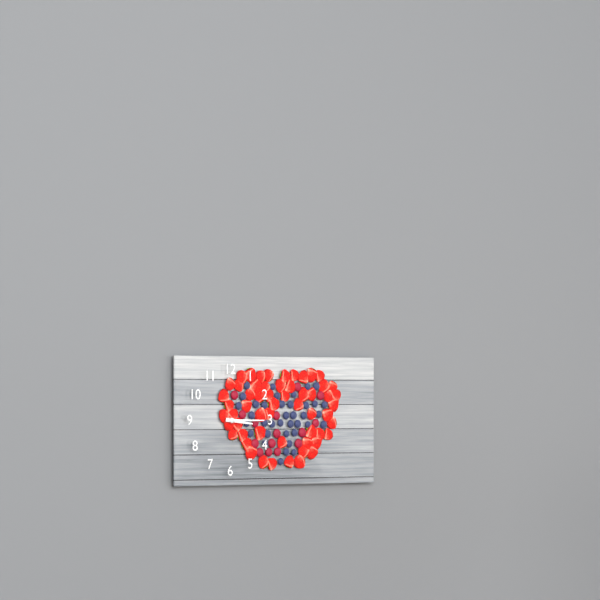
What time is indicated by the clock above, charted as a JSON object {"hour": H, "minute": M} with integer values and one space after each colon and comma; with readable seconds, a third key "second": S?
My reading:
{"hour": 3, "minute": 15}
